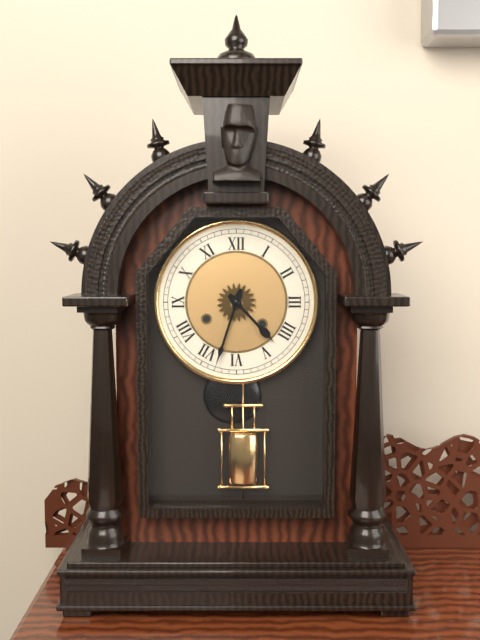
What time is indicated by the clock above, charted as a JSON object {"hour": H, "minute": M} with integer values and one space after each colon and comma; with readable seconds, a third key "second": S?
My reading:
{"hour": 4, "minute": 33}
